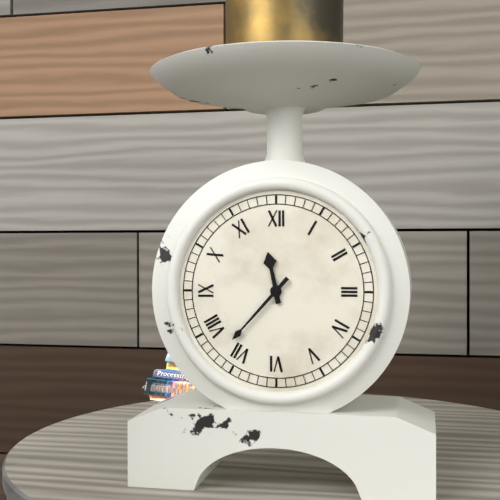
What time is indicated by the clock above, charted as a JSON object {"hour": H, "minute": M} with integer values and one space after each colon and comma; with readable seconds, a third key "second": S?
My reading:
{"hour": 11, "minute": 37}
